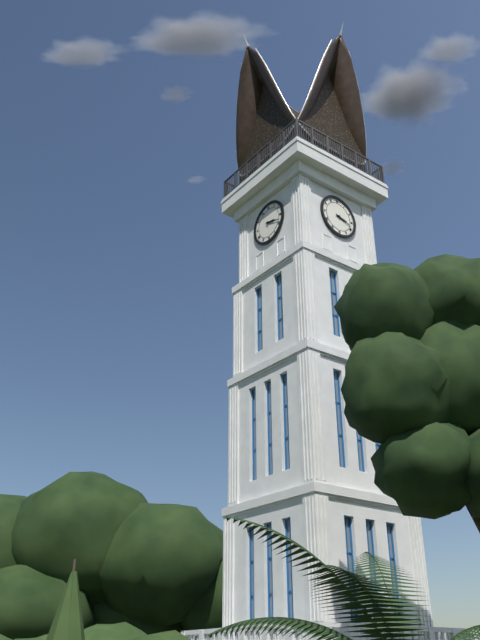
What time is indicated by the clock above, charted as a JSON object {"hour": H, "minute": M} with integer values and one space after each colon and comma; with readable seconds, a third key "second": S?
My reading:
{"hour": 3, "minute": 18}
